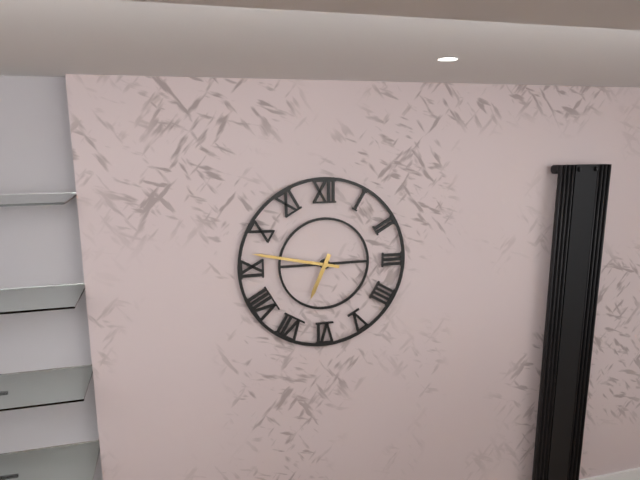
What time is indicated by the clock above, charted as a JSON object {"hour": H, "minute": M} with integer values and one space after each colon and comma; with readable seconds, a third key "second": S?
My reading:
{"hour": 6, "minute": 47}
